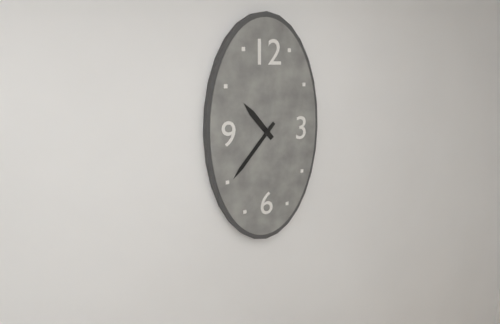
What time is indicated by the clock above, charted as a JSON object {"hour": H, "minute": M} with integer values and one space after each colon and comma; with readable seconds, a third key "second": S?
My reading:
{"hour": 10, "minute": 37}
